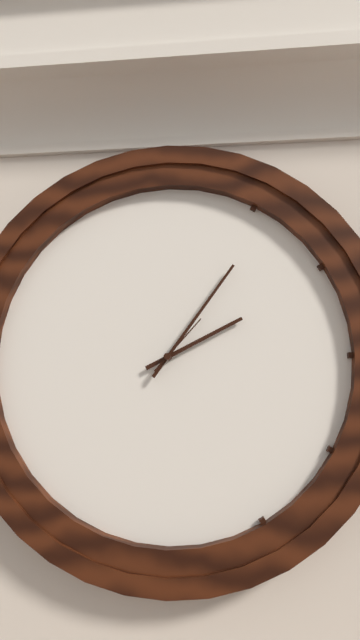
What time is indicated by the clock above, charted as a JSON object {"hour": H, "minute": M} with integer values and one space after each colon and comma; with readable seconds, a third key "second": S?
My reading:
{"hour": 2, "minute": 6, "second": 7}
